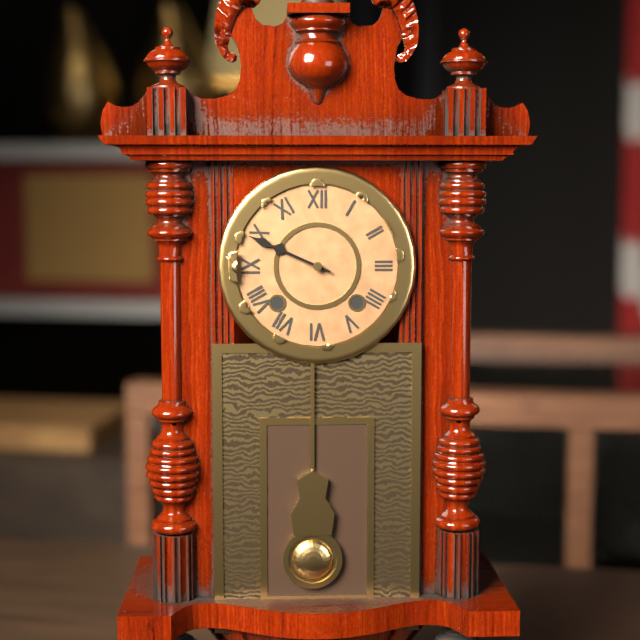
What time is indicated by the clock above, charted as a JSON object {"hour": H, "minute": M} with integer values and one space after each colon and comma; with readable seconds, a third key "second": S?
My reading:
{"hour": 9, "minute": 49}
